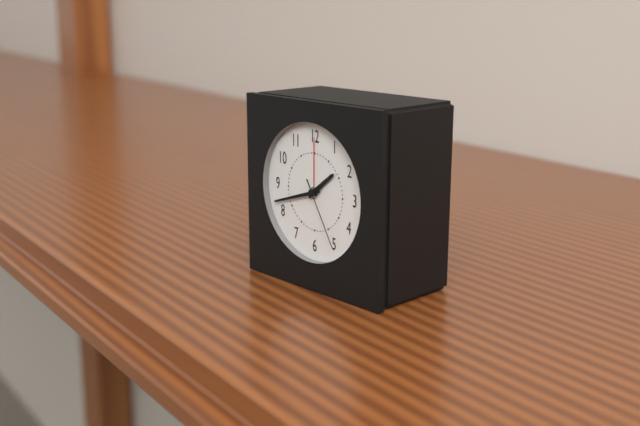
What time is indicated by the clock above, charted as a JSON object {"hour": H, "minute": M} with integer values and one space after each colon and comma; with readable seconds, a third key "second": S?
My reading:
{"hour": 1, "minute": 42, "second": 25}
